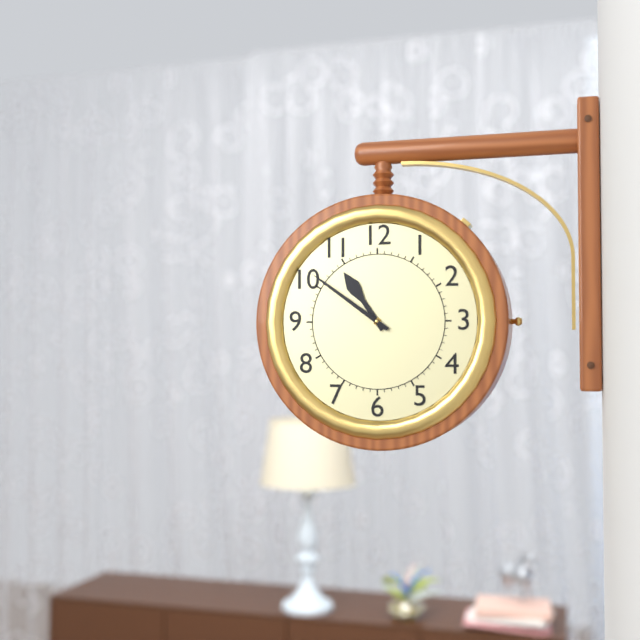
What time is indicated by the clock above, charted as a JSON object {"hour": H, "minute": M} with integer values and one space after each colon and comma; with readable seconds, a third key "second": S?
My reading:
{"hour": 10, "minute": 51}
